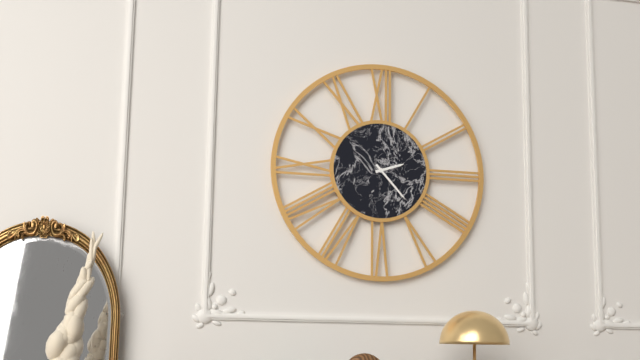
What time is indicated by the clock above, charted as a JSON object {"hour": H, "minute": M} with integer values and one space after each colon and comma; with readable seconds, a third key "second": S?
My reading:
{"hour": 2, "minute": 23}
